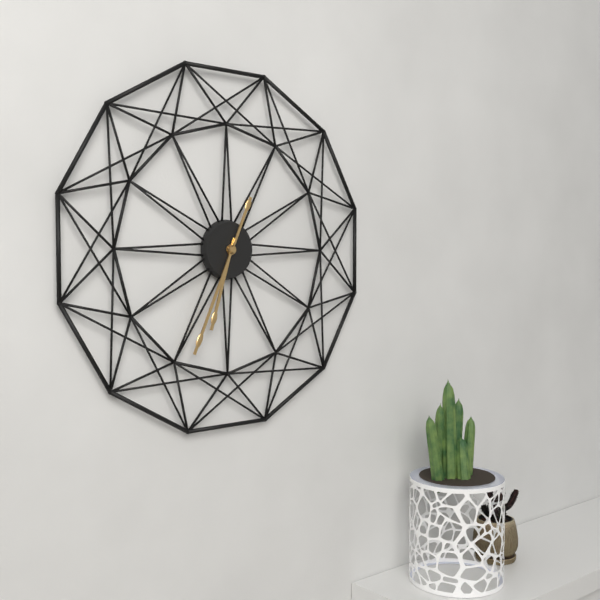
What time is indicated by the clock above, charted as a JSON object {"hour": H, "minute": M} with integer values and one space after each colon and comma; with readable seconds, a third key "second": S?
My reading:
{"hour": 6, "minute": 34}
